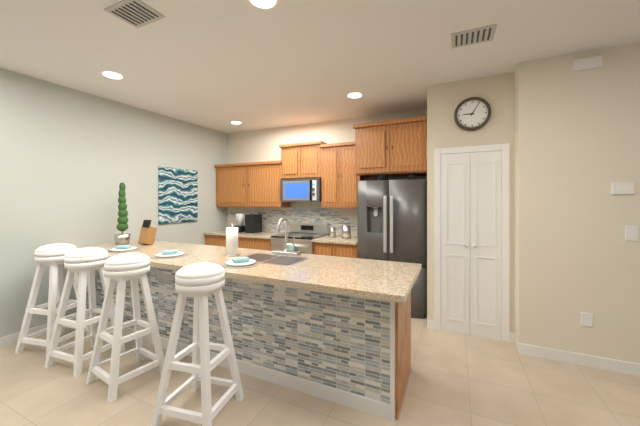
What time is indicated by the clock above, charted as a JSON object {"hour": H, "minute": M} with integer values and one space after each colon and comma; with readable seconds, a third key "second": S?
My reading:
{"hour": 9, "minute": 5}
